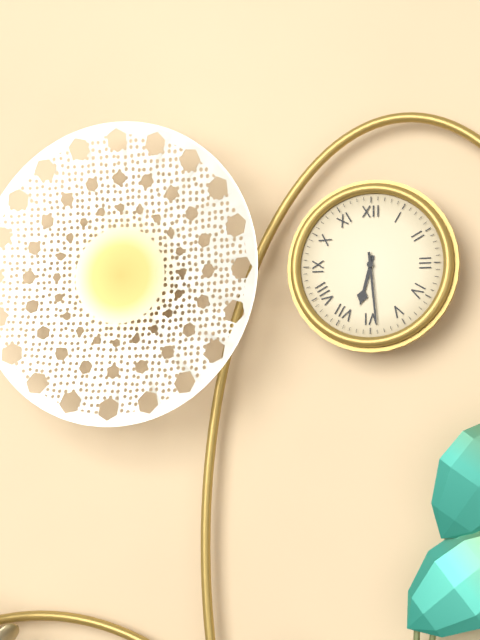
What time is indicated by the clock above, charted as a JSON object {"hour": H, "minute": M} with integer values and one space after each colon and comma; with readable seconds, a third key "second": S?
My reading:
{"hour": 6, "minute": 29}
